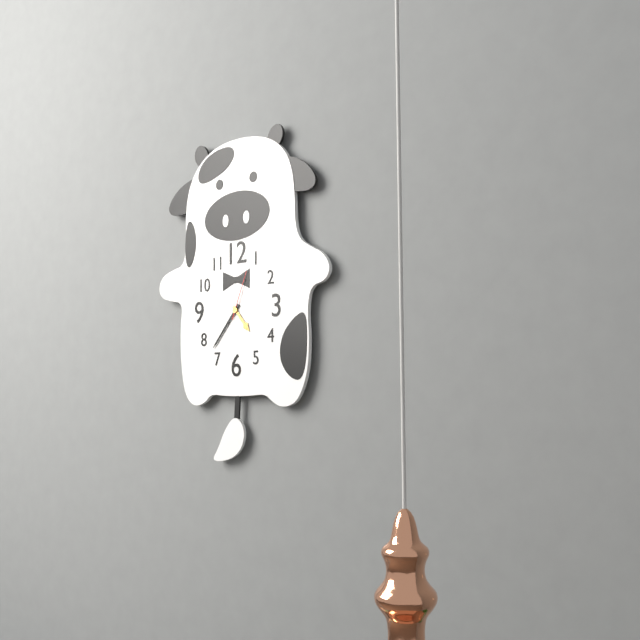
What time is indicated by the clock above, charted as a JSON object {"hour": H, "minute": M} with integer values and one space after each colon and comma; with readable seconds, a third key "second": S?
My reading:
{"hour": 4, "minute": 37}
